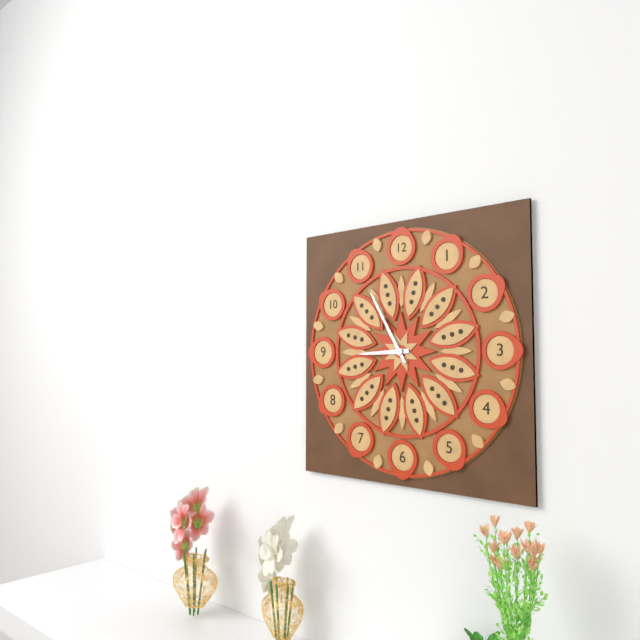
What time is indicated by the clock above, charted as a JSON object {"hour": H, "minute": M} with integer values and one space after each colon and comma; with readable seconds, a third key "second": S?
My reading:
{"hour": 8, "minute": 55}
